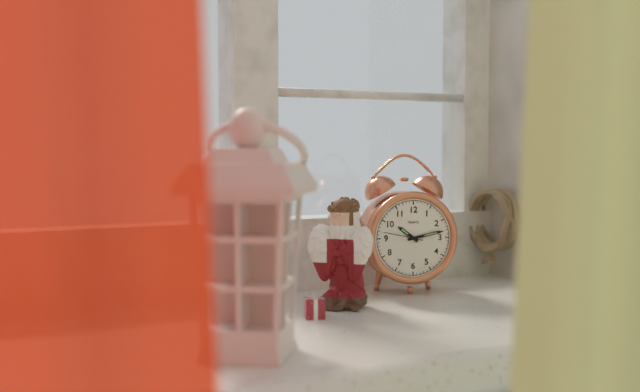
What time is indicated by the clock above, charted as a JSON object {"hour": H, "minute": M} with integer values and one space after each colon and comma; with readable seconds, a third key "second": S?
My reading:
{"hour": 10, "minute": 13}
